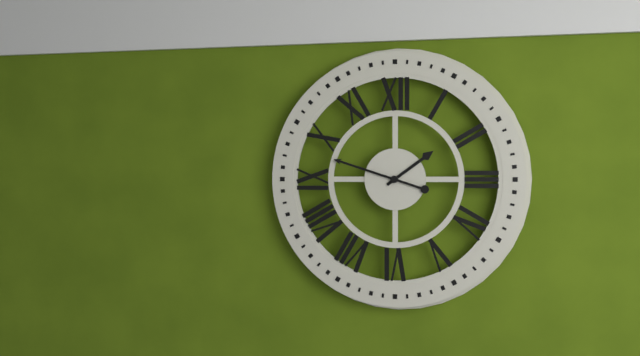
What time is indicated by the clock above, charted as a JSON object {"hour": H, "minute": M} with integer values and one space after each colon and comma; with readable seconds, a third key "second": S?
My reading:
{"hour": 1, "minute": 48}
